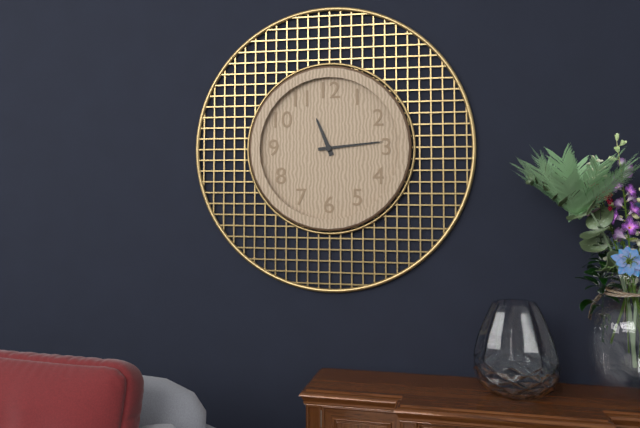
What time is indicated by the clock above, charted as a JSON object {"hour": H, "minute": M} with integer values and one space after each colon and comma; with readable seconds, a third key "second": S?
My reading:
{"hour": 11, "minute": 14}
